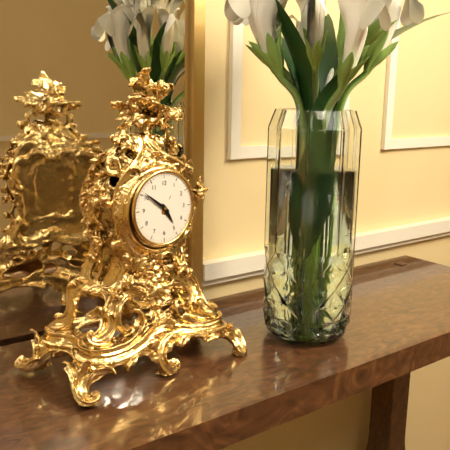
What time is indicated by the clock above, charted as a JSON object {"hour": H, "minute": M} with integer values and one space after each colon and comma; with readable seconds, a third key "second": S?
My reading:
{"hour": 4, "minute": 51}
